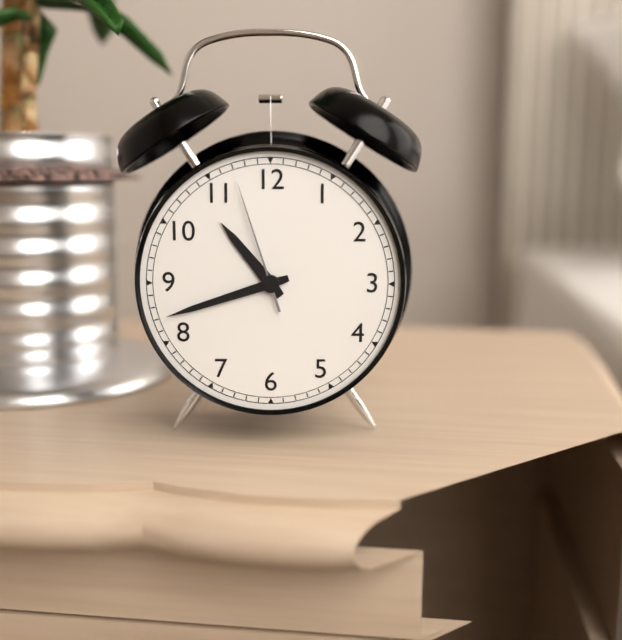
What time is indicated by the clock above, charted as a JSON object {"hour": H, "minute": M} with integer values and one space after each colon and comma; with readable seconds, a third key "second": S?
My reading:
{"hour": 10, "minute": 42, "second": 57}
